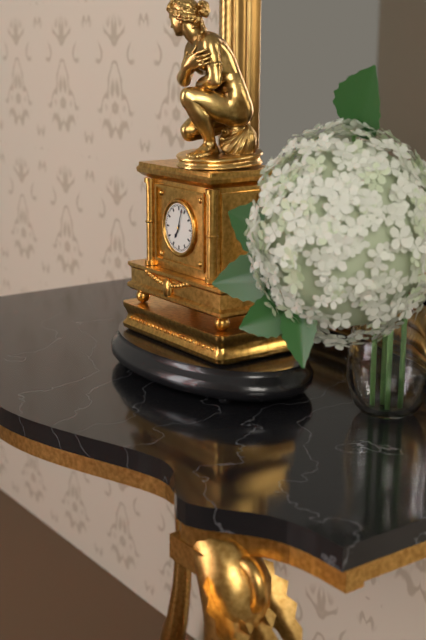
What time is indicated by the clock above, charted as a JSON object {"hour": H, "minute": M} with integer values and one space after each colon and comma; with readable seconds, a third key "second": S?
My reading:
{"hour": 7, "minute": 3}
